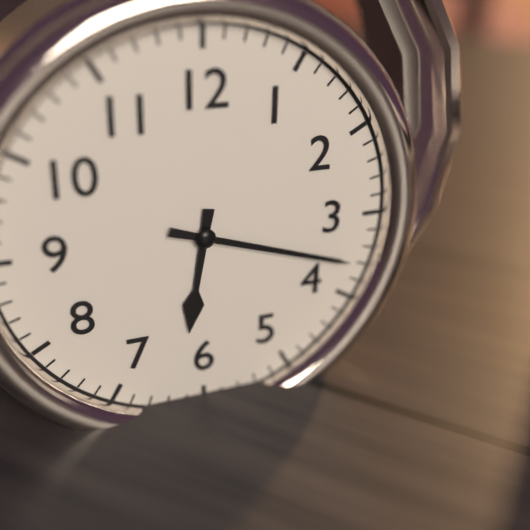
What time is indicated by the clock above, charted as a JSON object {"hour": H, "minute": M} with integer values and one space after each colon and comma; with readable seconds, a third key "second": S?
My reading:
{"hour": 6, "minute": 18}
